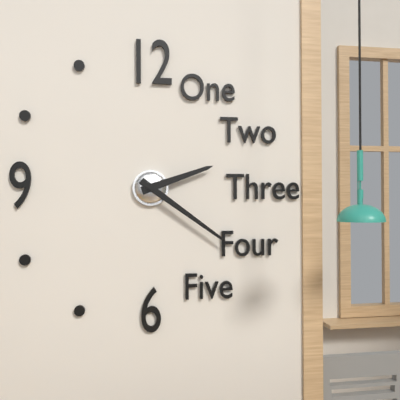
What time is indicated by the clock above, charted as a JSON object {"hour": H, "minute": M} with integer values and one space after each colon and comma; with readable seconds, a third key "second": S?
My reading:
{"hour": 2, "minute": 21}
